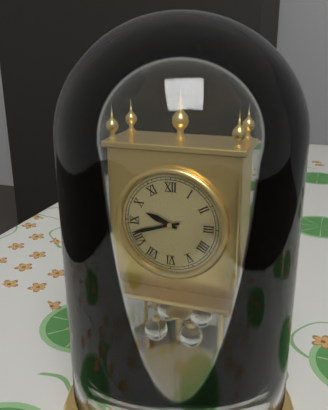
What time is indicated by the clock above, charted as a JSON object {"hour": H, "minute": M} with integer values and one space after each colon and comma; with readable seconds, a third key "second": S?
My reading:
{"hour": 9, "minute": 42}
